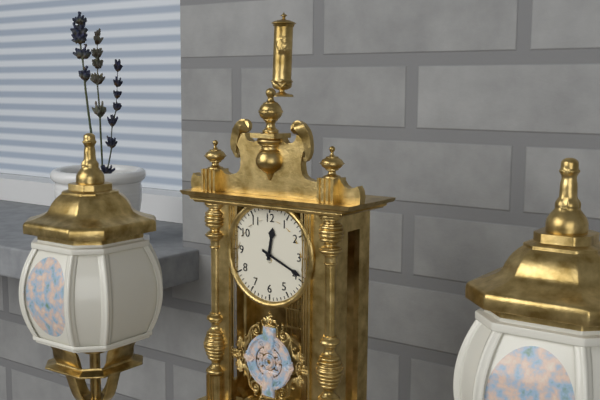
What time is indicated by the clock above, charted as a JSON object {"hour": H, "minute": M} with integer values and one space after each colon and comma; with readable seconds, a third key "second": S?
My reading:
{"hour": 12, "minute": 19}
